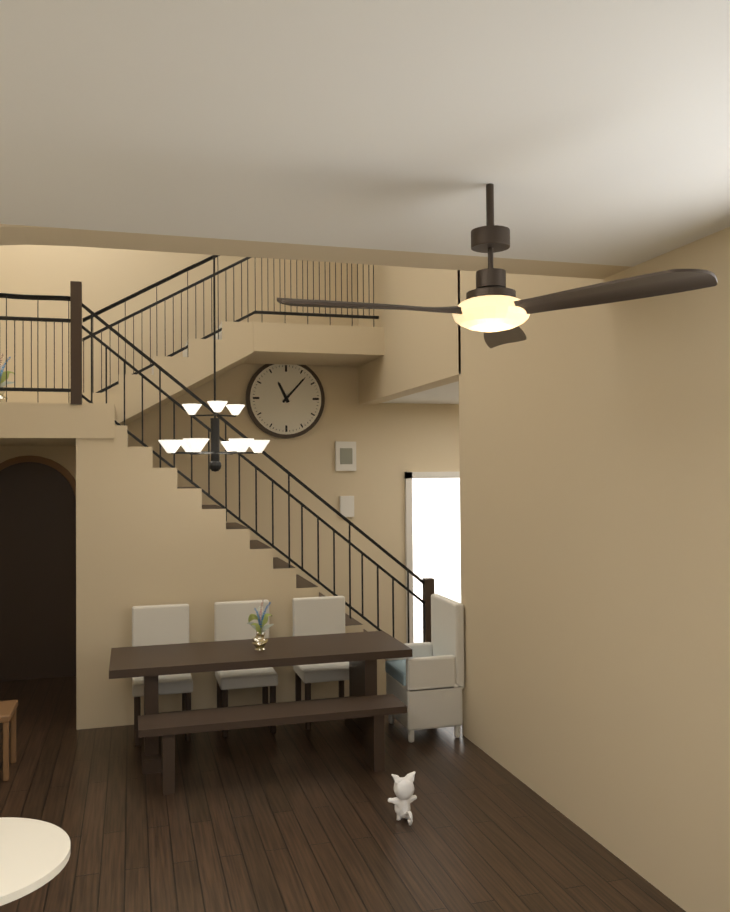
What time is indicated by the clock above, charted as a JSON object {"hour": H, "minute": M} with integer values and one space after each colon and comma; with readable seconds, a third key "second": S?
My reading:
{"hour": 11, "minute": 7}
